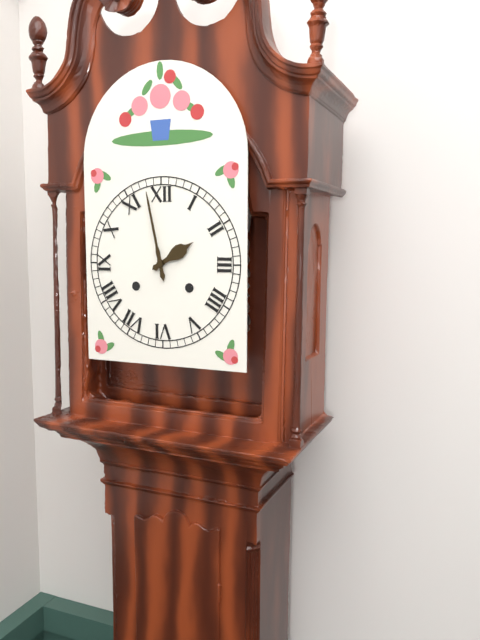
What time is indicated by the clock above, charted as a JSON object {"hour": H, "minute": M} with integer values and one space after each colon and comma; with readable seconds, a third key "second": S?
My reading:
{"hour": 1, "minute": 58}
